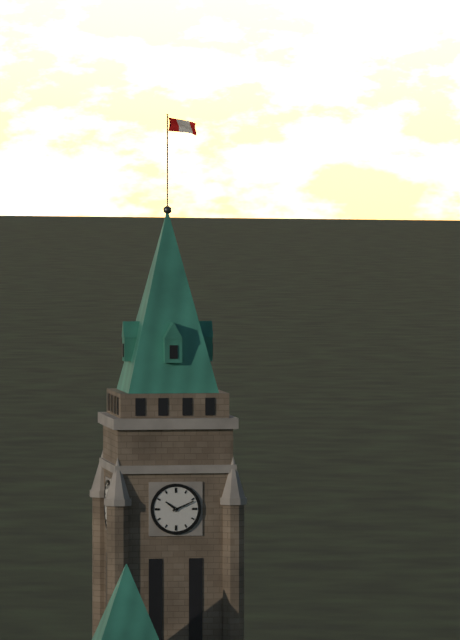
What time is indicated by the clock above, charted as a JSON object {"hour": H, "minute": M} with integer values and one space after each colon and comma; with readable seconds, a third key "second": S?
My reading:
{"hour": 10, "minute": 11}
